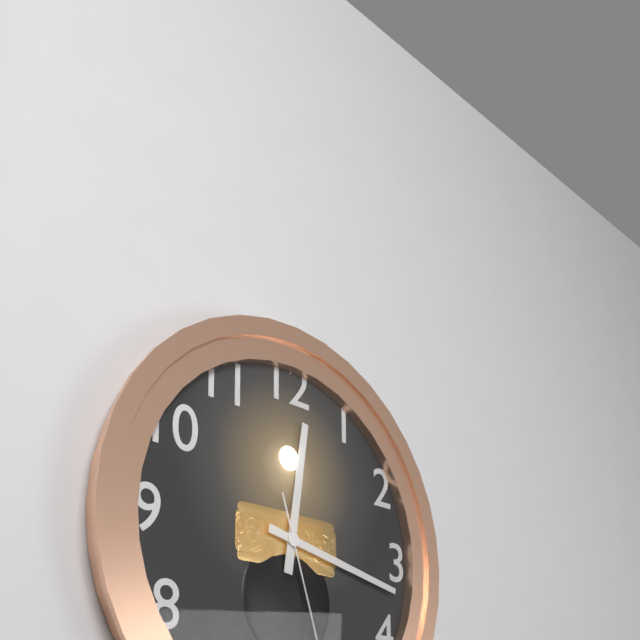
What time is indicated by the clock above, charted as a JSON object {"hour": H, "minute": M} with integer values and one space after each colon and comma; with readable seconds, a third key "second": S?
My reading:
{"hour": 12, "minute": 17}
